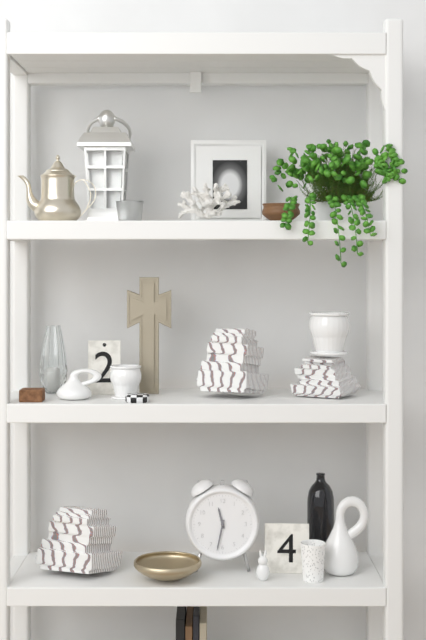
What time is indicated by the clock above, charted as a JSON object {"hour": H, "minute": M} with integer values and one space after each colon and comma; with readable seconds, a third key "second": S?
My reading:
{"hour": 11, "minute": 32}
